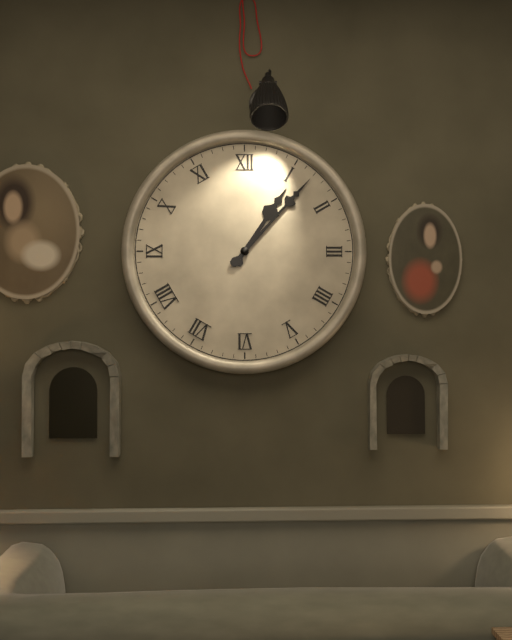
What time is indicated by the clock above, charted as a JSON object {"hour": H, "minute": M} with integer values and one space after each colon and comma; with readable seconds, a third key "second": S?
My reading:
{"hour": 1, "minute": 7}
